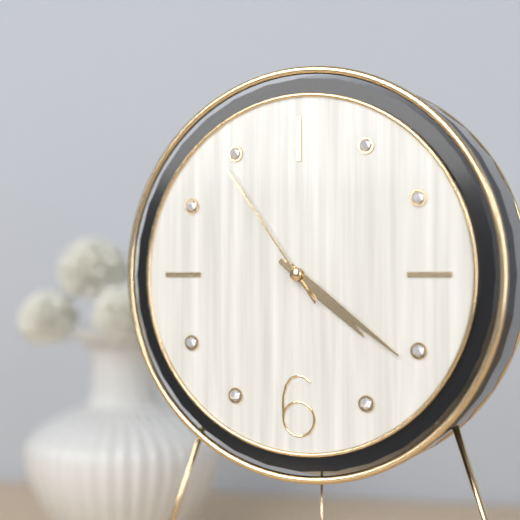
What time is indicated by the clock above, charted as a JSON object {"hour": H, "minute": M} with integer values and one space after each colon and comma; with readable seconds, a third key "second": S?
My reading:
{"hour": 4, "minute": 21, "second": 54}
